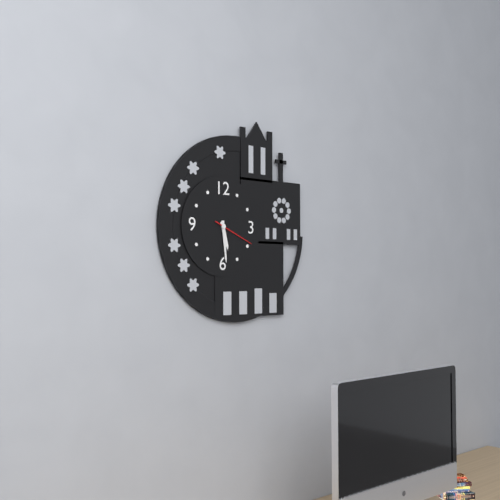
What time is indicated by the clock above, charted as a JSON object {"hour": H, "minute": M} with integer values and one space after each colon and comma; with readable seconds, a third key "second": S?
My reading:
{"hour": 5, "minute": 29}
